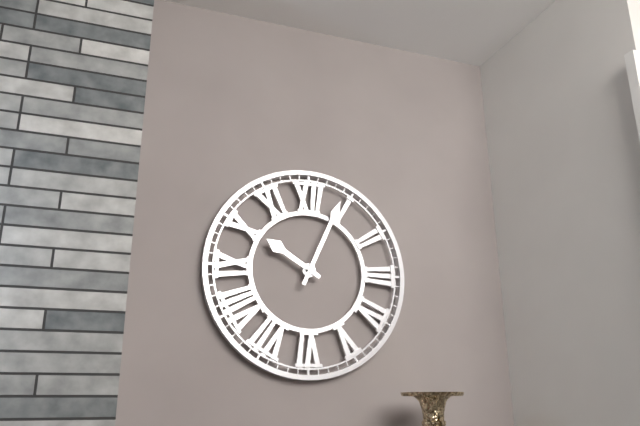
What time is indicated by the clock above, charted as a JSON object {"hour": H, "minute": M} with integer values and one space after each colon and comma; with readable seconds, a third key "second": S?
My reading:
{"hour": 10, "minute": 4}
